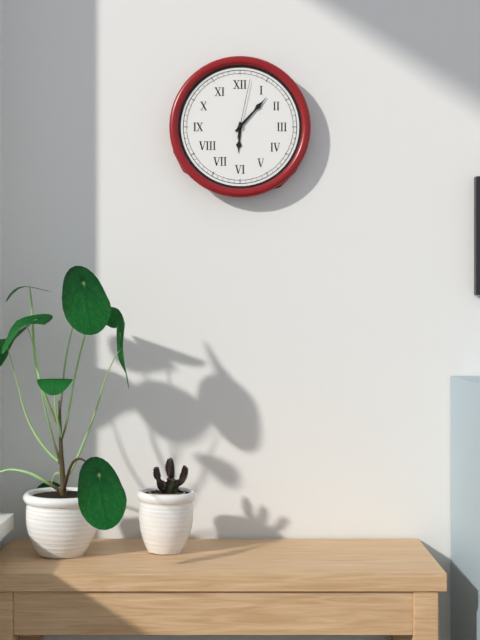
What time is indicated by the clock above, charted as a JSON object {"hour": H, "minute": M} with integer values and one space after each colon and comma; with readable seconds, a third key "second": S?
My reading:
{"hour": 6, "minute": 7, "second": 2}
